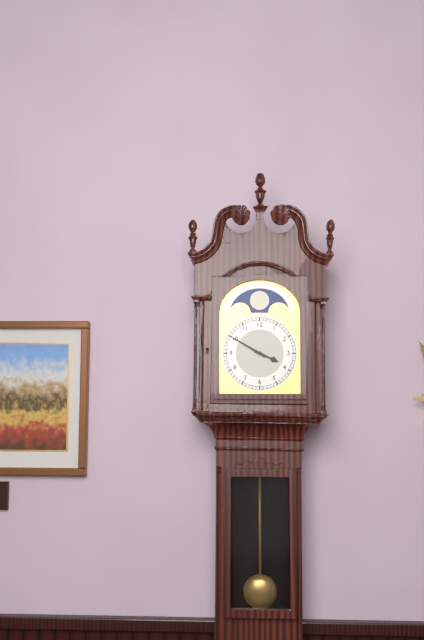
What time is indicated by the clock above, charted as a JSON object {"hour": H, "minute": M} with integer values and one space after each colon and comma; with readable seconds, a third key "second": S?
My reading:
{"hour": 3, "minute": 50}
